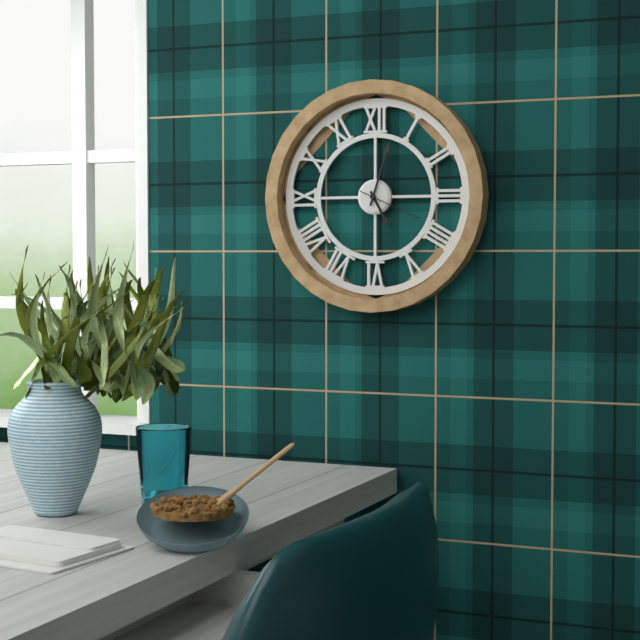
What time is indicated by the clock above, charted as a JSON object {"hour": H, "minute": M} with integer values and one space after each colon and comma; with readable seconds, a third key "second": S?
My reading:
{"hour": 5, "minute": 3, "second": 19}
